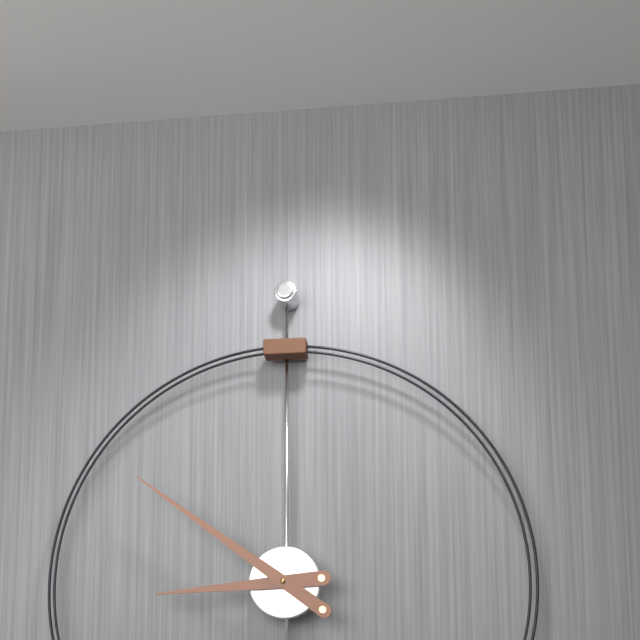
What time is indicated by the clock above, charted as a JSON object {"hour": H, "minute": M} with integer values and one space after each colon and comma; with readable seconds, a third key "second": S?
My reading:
{"hour": 8, "minute": 51}
